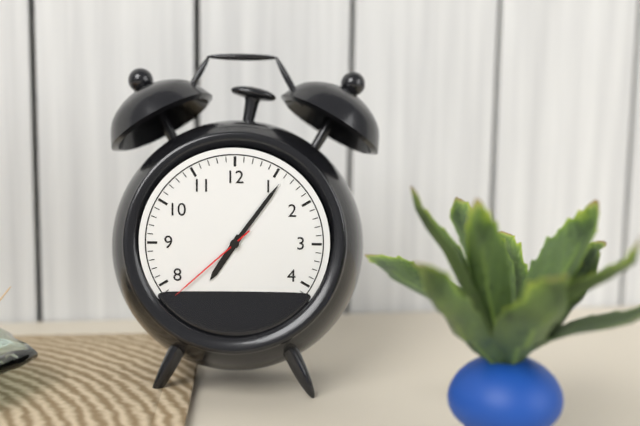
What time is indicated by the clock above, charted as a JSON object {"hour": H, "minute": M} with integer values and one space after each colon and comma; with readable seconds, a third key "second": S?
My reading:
{"hour": 7, "minute": 6, "second": 38}
